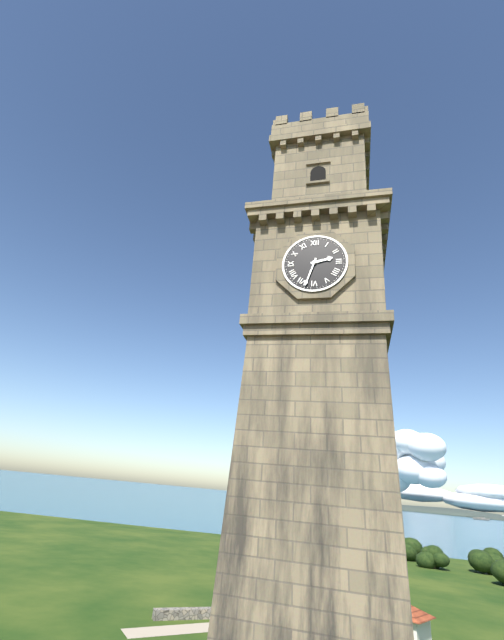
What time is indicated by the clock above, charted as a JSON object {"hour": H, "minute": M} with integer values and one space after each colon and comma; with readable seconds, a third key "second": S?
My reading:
{"hour": 2, "minute": 33}
